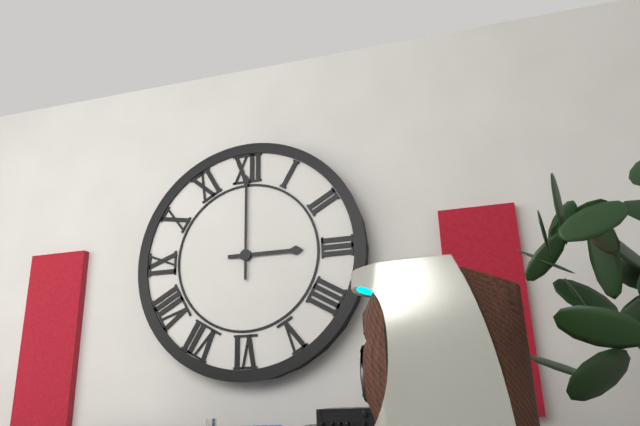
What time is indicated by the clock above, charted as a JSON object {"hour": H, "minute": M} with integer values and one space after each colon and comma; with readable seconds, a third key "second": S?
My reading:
{"hour": 3, "minute": 0}
